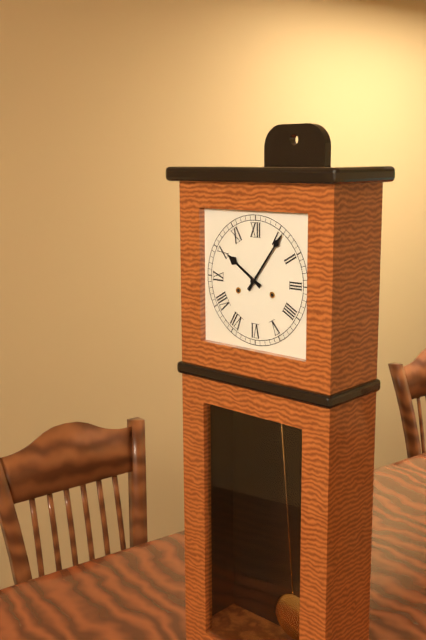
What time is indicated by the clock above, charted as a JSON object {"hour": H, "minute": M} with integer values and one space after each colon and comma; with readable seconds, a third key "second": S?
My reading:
{"hour": 10, "minute": 6}
